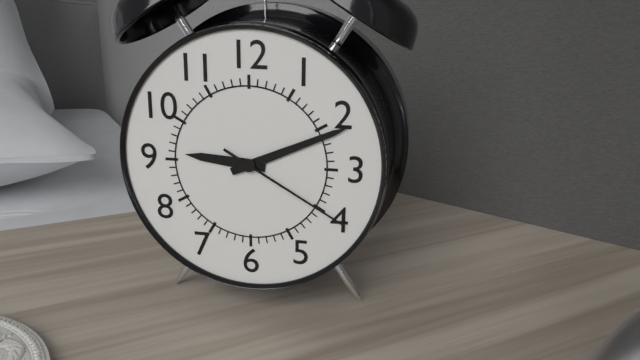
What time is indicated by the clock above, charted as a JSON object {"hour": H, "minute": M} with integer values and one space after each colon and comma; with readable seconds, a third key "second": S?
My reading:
{"hour": 9, "minute": 11, "second": 20}
